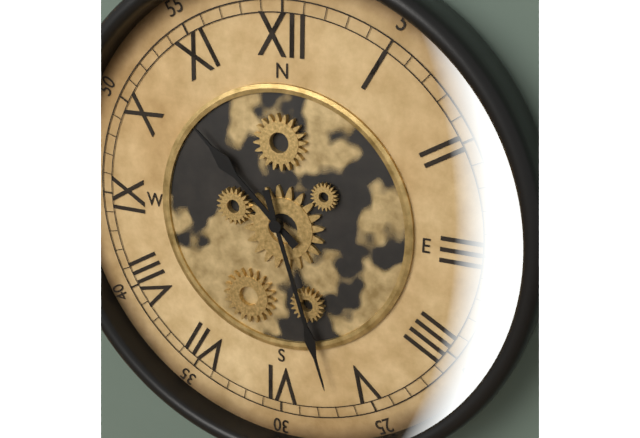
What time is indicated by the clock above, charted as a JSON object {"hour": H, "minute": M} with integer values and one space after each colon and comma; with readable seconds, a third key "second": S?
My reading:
{"hour": 10, "minute": 27}
